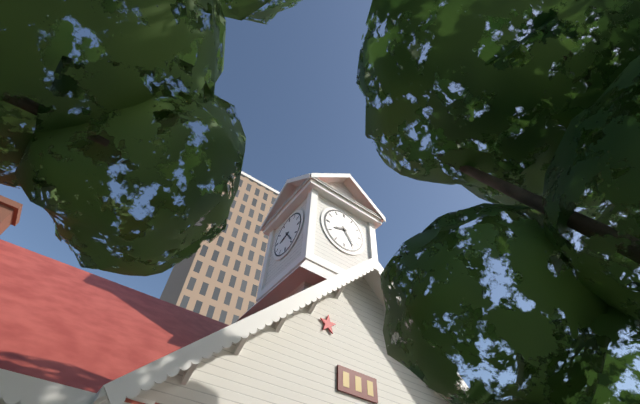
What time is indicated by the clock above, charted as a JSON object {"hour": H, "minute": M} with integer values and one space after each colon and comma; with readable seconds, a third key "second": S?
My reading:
{"hour": 8, "minute": 24}
